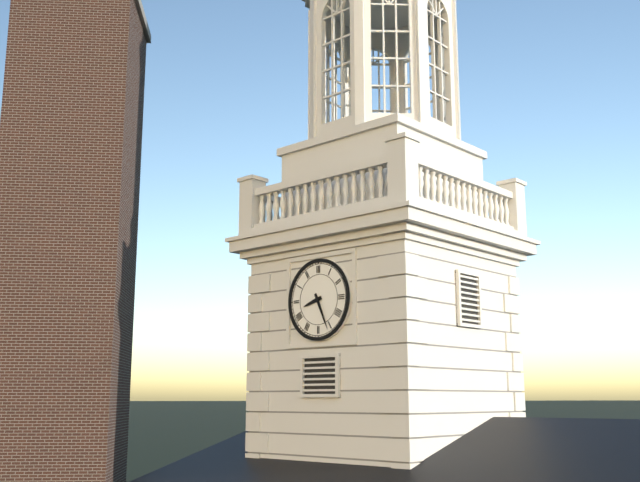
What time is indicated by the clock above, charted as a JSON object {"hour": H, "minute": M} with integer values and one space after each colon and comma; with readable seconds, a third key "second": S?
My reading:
{"hour": 8, "minute": 26}
